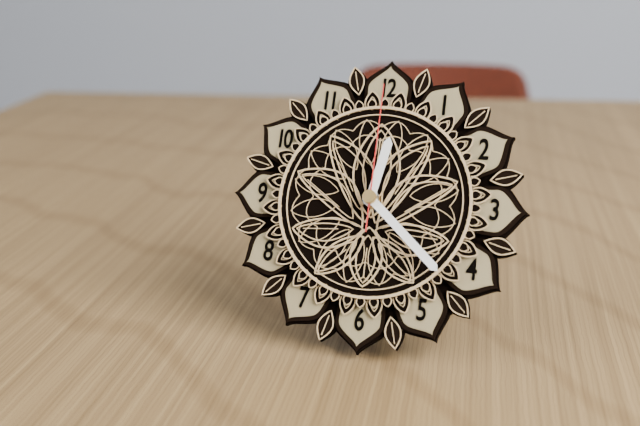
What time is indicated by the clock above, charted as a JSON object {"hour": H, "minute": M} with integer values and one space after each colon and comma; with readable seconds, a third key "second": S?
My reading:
{"hour": 12, "minute": 22, "second": 0}
